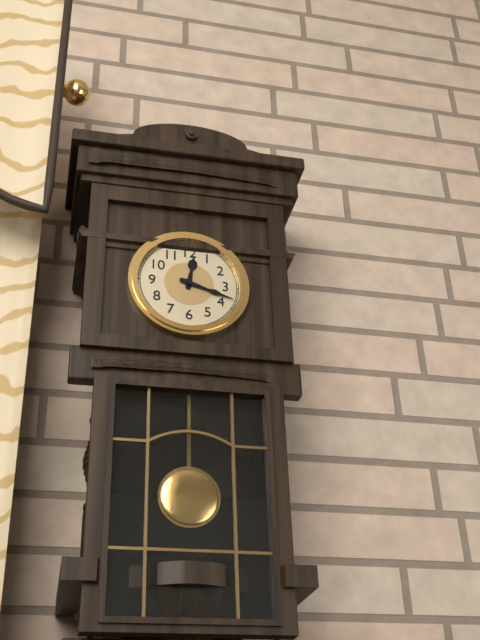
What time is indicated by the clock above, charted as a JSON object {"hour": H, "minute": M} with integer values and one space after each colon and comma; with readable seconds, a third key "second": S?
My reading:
{"hour": 12, "minute": 18}
